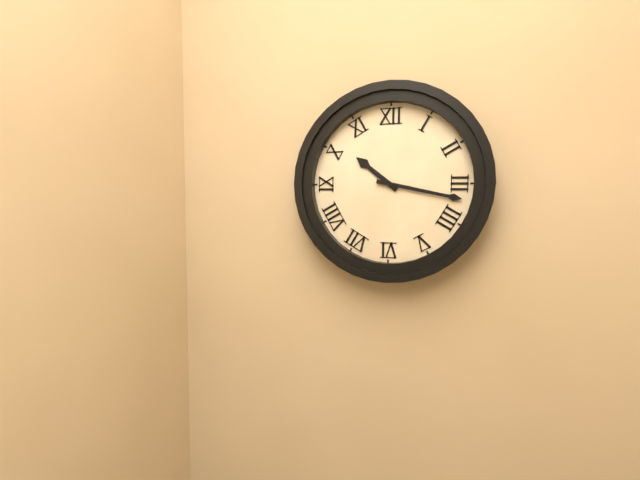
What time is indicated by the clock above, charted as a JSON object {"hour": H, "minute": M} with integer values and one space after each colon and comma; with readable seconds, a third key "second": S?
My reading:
{"hour": 10, "minute": 17}
